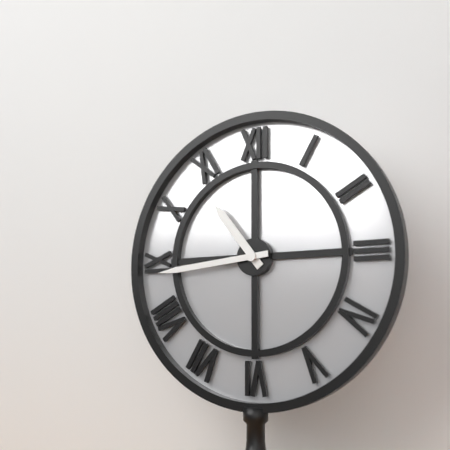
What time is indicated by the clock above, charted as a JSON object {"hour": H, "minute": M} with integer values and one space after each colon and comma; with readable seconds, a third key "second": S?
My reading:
{"hour": 10, "minute": 44}
